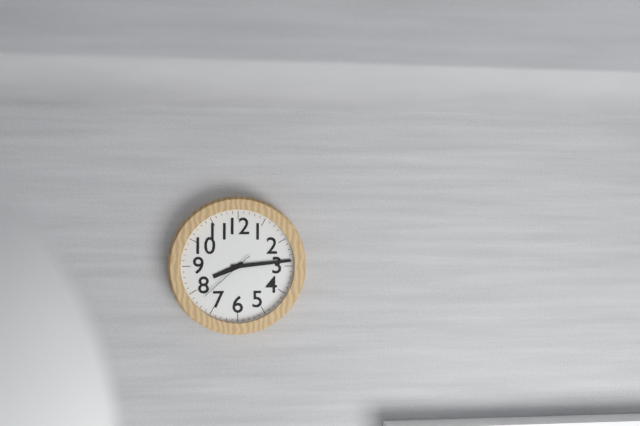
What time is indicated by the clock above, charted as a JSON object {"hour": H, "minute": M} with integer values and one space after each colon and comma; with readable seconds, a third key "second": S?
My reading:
{"hour": 8, "minute": 14, "second": 38}
